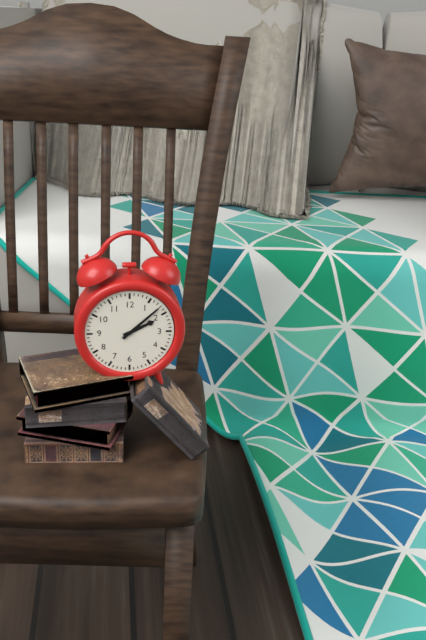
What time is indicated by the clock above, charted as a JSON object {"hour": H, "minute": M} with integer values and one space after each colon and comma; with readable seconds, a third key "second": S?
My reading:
{"hour": 2, "minute": 8}
